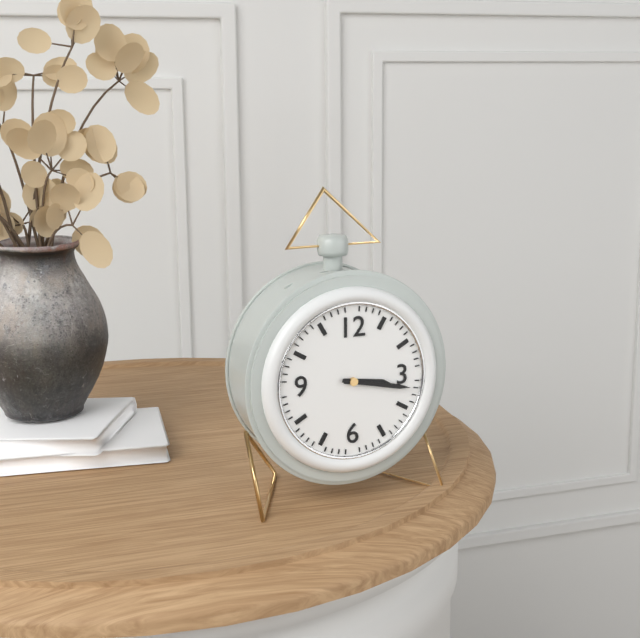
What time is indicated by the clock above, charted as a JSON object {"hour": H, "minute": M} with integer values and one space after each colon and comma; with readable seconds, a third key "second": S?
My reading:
{"hour": 3, "minute": 17}
